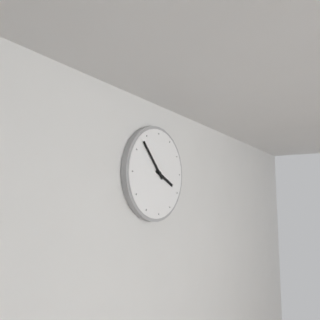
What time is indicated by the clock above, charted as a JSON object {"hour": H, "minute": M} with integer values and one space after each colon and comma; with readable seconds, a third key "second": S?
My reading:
{"hour": 3, "minute": 53}
